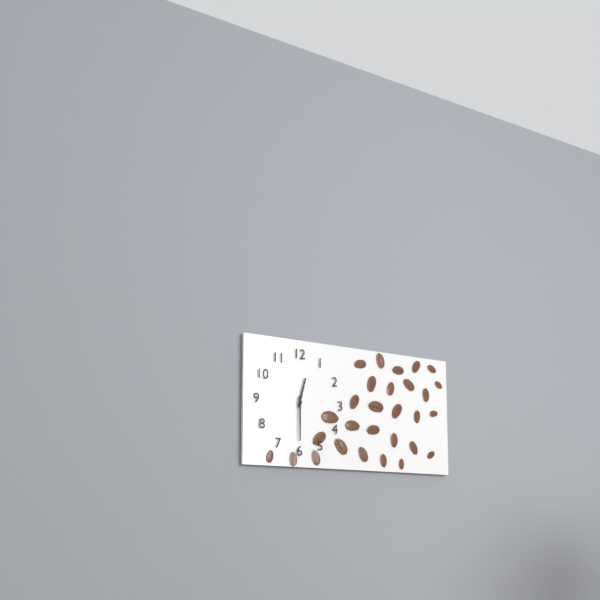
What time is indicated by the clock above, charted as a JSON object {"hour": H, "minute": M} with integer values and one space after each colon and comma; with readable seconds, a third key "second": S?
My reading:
{"hour": 12, "minute": 30}
